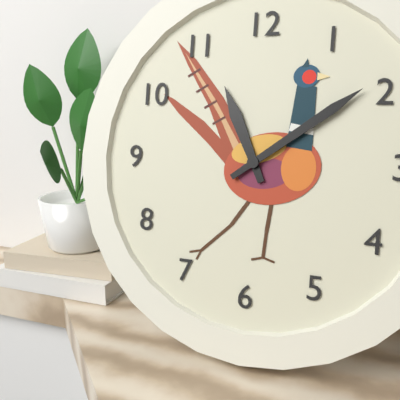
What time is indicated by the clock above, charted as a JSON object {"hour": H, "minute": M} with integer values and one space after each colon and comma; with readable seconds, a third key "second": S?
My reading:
{"hour": 11, "minute": 9}
